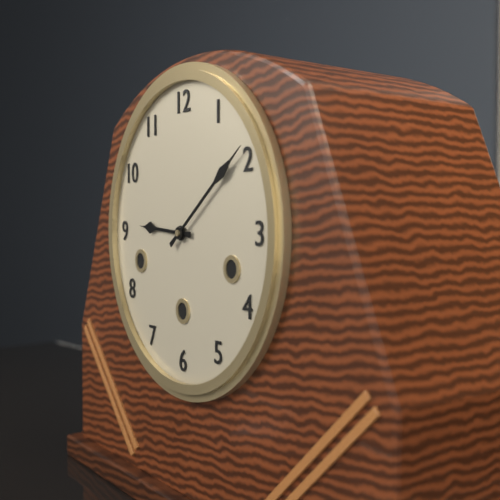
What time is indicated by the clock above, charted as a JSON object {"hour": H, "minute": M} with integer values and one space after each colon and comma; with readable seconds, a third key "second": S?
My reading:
{"hour": 9, "minute": 9}
